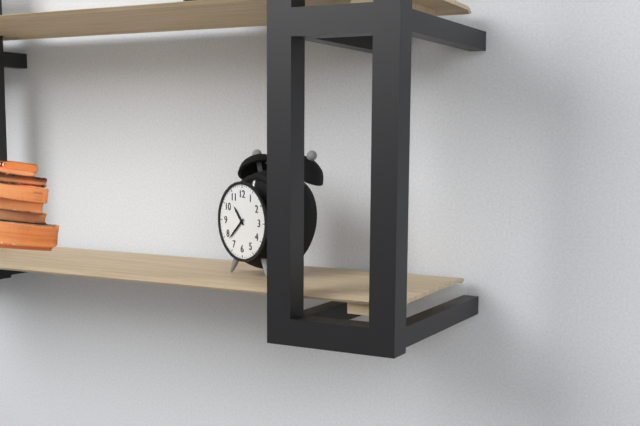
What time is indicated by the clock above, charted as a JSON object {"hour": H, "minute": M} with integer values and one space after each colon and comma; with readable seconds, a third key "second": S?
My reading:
{"hour": 10, "minute": 38}
